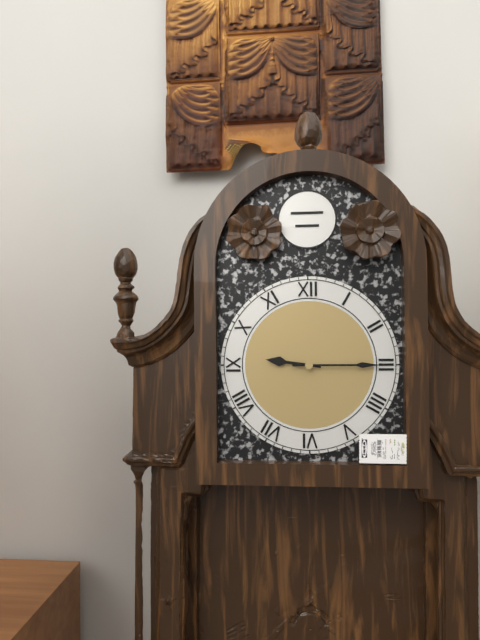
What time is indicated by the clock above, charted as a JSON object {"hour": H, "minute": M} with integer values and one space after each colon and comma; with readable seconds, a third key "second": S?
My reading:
{"hour": 9, "minute": 15}
